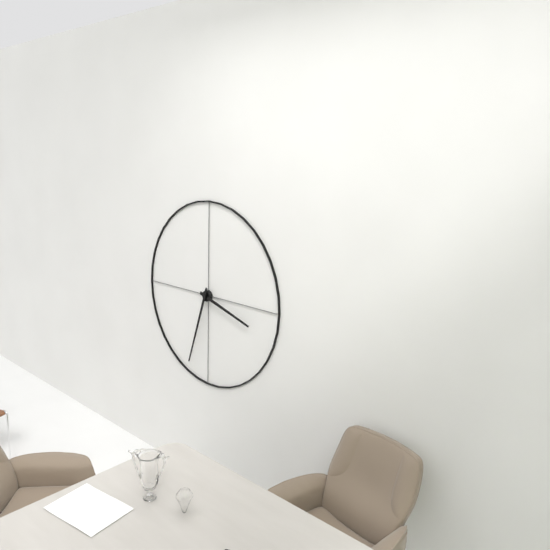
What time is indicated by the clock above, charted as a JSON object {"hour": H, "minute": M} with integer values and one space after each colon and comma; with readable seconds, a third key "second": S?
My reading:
{"hour": 3, "minute": 33}
